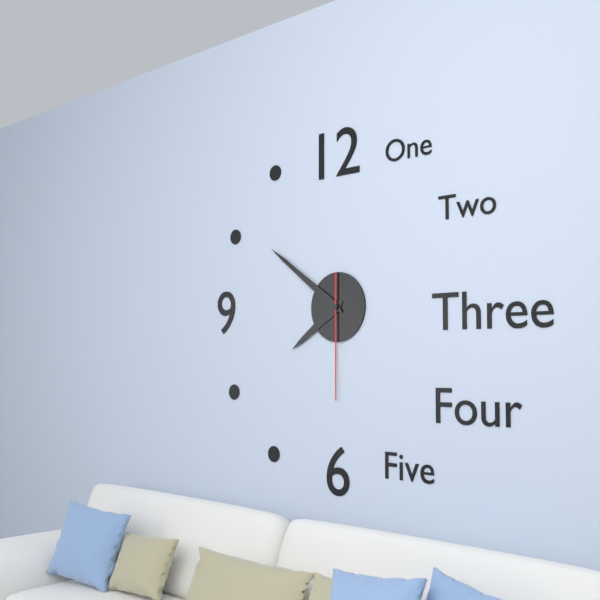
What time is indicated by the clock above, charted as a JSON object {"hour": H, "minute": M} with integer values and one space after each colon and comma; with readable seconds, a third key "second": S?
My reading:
{"hour": 7, "minute": 51, "second": 30}
